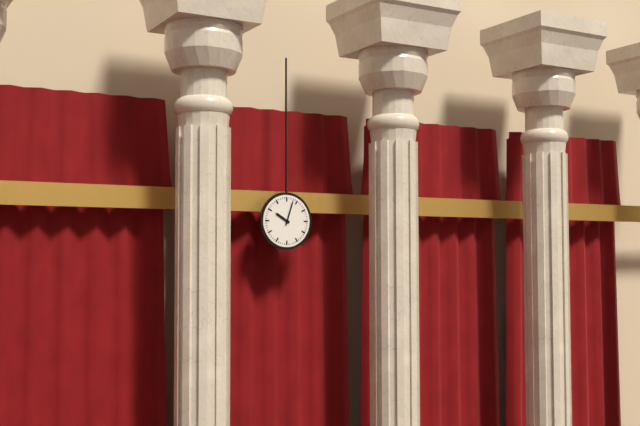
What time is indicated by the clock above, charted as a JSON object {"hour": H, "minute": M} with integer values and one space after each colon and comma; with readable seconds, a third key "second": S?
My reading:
{"hour": 10, "minute": 3}
